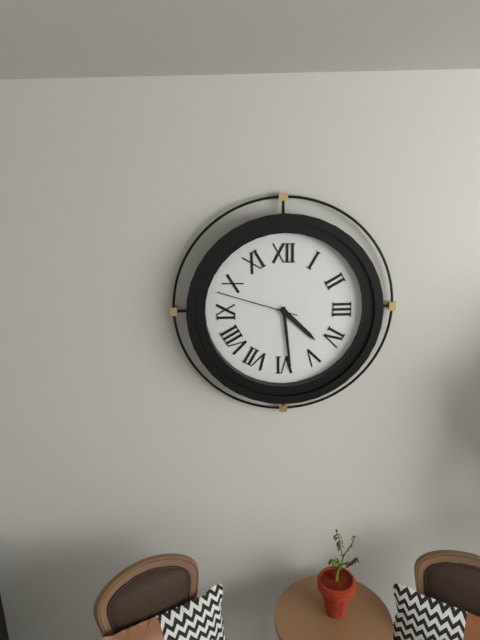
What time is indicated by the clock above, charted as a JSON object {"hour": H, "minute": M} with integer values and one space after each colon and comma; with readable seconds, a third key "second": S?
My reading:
{"hour": 4, "minute": 29, "second": 48}
